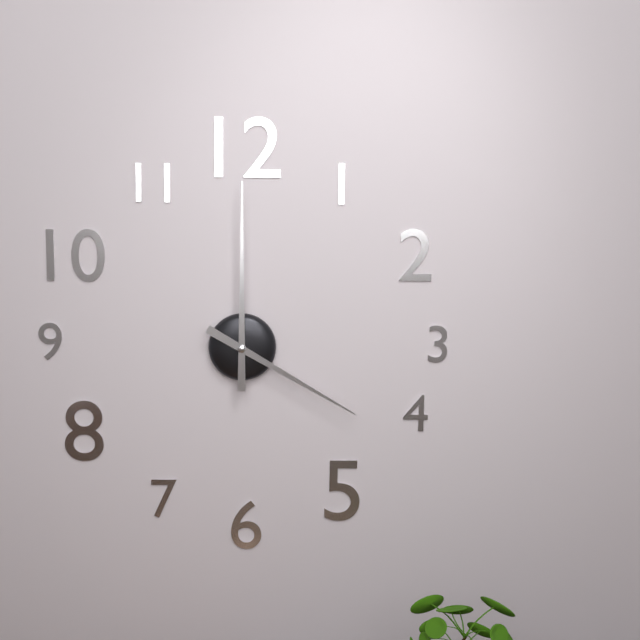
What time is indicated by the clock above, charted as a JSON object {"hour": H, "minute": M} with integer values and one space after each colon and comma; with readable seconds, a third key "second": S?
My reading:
{"hour": 4, "minute": 0}
